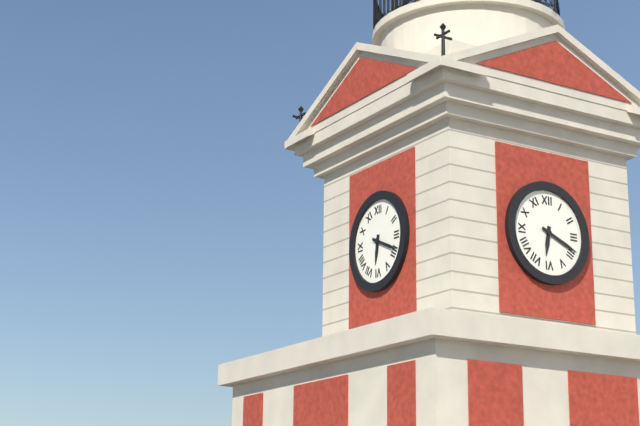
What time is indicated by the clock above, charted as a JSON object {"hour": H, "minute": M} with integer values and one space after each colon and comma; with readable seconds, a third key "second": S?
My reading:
{"hour": 6, "minute": 19}
